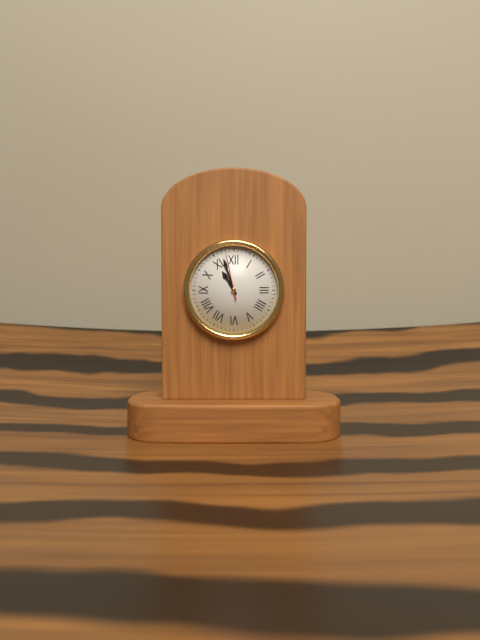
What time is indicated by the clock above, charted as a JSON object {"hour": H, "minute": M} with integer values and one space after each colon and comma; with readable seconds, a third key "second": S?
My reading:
{"hour": 10, "minute": 57}
